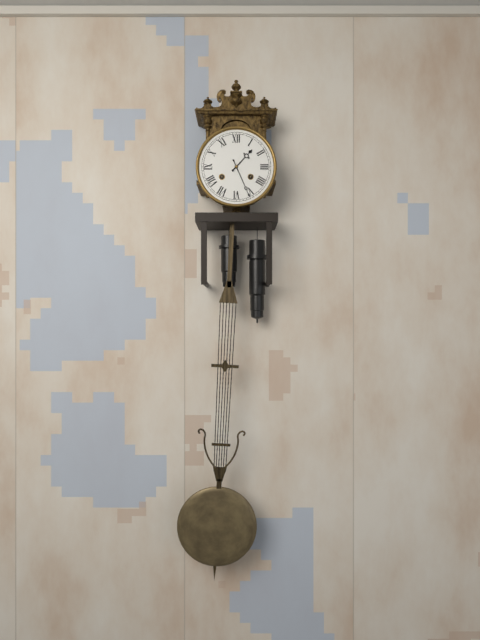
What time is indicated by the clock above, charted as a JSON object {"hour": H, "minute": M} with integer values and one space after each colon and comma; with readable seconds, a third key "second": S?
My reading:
{"hour": 1, "minute": 26}
